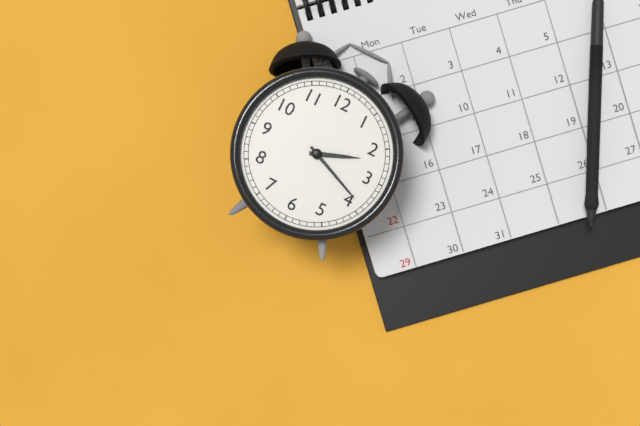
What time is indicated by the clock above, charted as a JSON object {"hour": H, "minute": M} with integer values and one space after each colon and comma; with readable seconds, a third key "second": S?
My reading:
{"hour": 2, "minute": 19}
